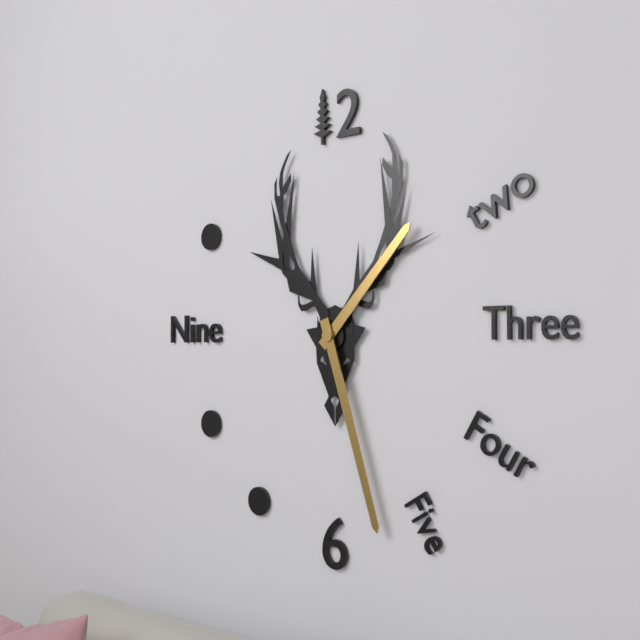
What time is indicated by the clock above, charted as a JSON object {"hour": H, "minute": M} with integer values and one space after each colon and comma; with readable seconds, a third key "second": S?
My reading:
{"hour": 1, "minute": 27}
